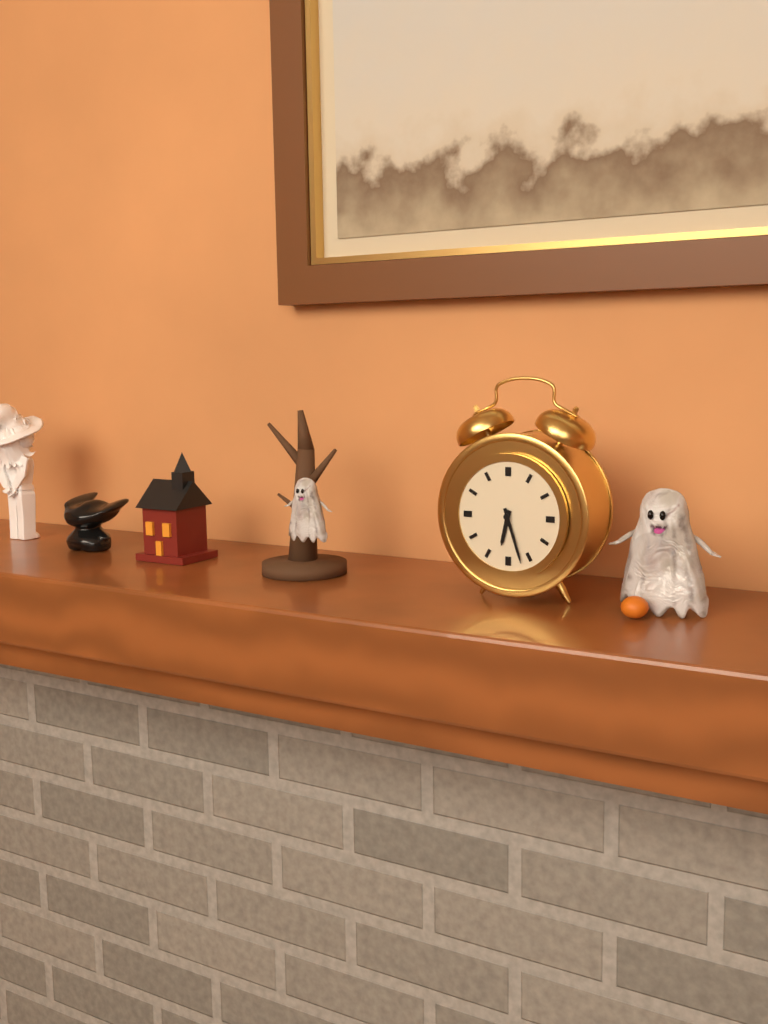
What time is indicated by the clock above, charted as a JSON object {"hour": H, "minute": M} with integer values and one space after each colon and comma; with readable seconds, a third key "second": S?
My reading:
{"hour": 6, "minute": 27}
